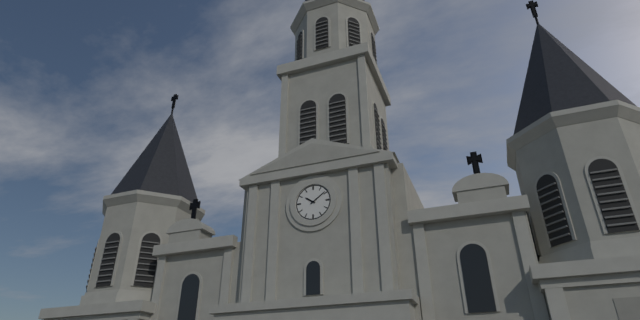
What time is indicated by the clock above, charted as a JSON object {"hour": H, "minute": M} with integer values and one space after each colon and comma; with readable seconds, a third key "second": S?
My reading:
{"hour": 10, "minute": 9}
